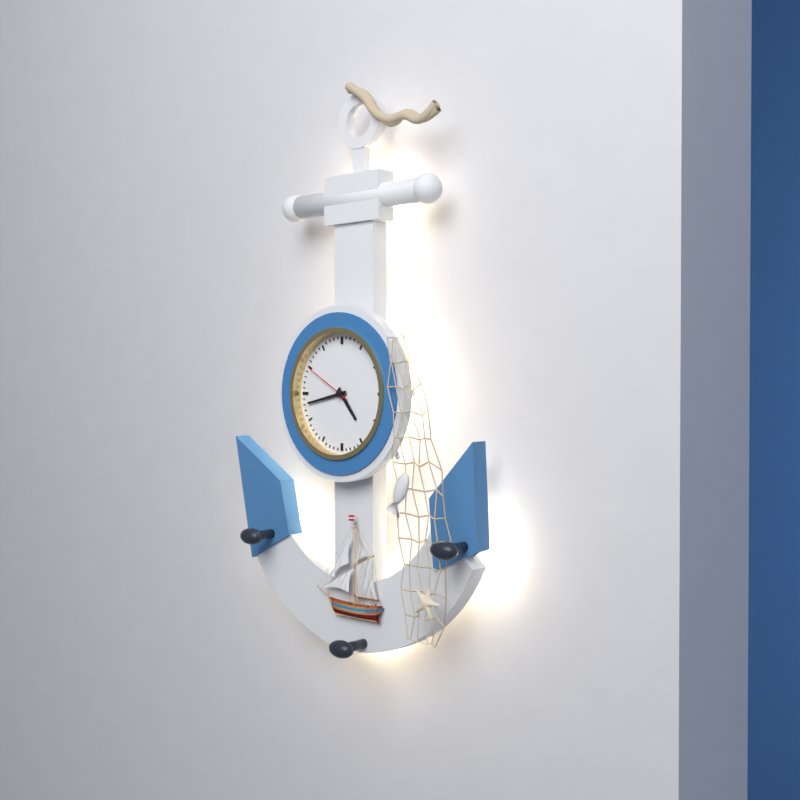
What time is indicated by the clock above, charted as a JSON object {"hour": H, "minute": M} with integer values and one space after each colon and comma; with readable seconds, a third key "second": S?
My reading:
{"hour": 4, "minute": 43, "second": 50}
